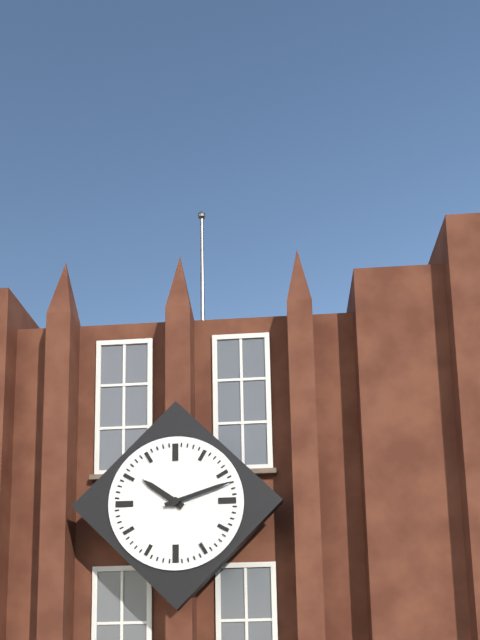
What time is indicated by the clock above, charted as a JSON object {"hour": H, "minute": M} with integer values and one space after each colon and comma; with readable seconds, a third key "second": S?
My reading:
{"hour": 10, "minute": 12}
